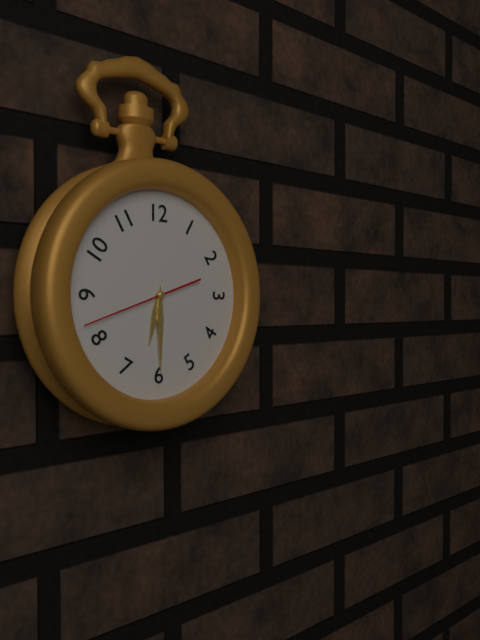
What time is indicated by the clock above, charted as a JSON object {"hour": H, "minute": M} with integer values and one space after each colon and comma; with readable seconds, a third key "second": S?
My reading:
{"hour": 6, "minute": 30, "second": 42}
